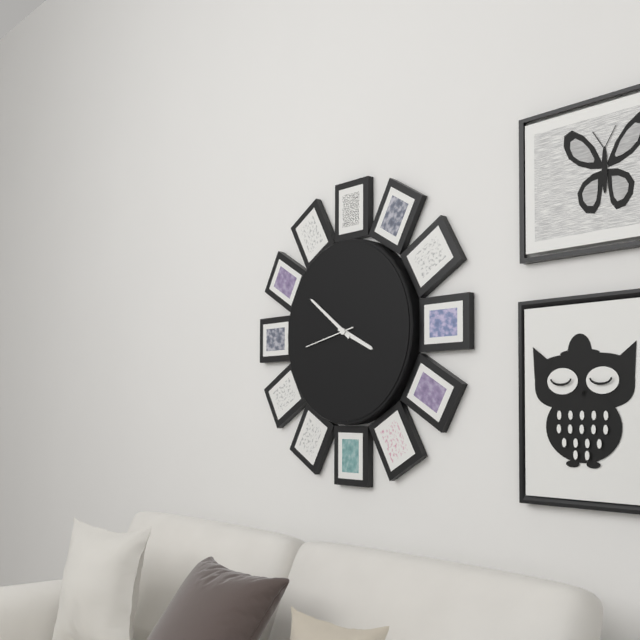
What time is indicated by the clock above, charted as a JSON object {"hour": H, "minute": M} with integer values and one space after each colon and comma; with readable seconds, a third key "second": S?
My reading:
{"hour": 3, "minute": 51, "second": 43}
